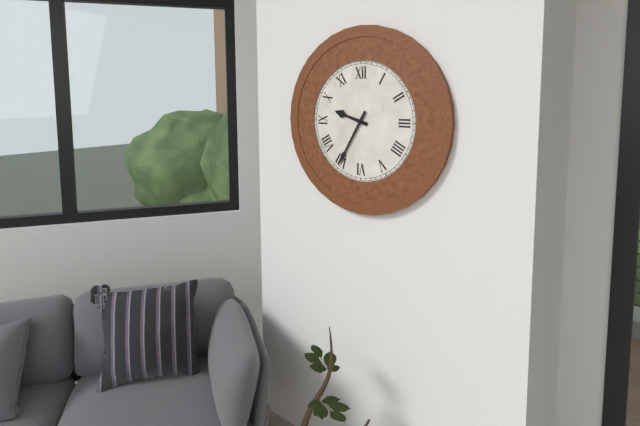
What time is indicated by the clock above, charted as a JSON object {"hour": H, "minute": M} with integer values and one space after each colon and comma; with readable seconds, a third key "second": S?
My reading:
{"hour": 9, "minute": 35}
